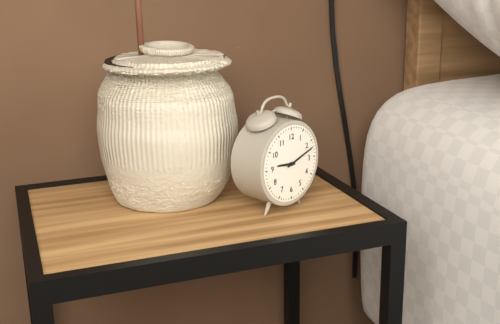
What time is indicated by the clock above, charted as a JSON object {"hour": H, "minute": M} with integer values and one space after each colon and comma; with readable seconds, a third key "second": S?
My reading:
{"hour": 9, "minute": 12}
